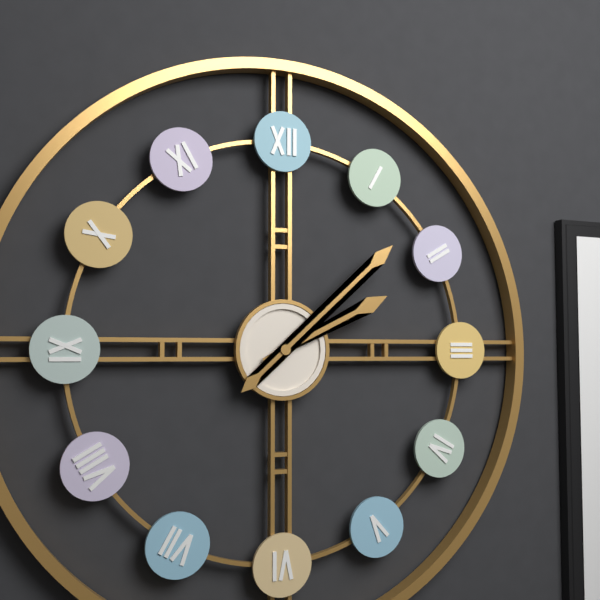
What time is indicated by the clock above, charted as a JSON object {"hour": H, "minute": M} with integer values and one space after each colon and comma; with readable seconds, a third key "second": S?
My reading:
{"hour": 2, "minute": 8}
